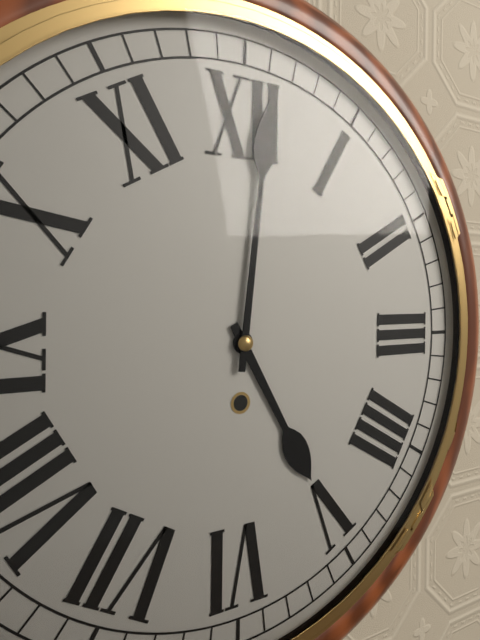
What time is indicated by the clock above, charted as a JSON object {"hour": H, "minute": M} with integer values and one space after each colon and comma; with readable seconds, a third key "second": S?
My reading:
{"hour": 5, "minute": 1}
